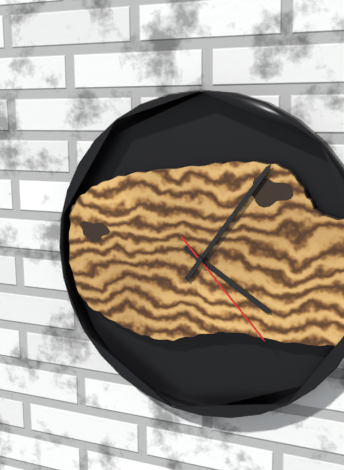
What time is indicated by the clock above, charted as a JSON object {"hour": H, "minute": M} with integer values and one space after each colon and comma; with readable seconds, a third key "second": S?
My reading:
{"hour": 4, "minute": 6, "second": 23}
